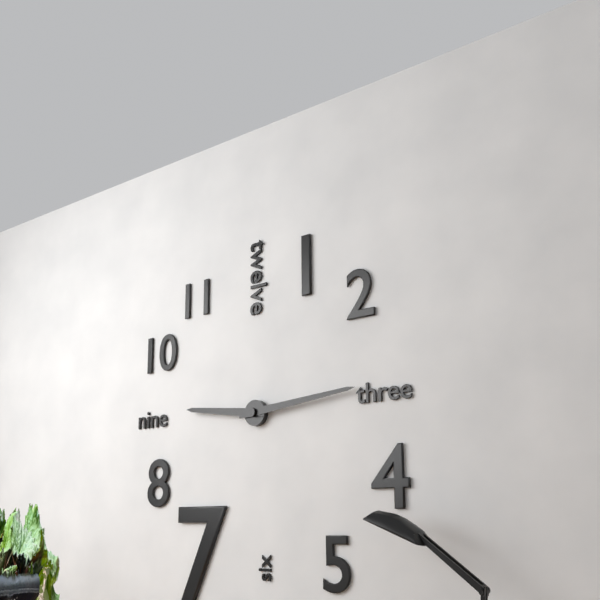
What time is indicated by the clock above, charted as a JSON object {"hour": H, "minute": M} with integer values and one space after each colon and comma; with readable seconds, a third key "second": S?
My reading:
{"hour": 9, "minute": 14}
